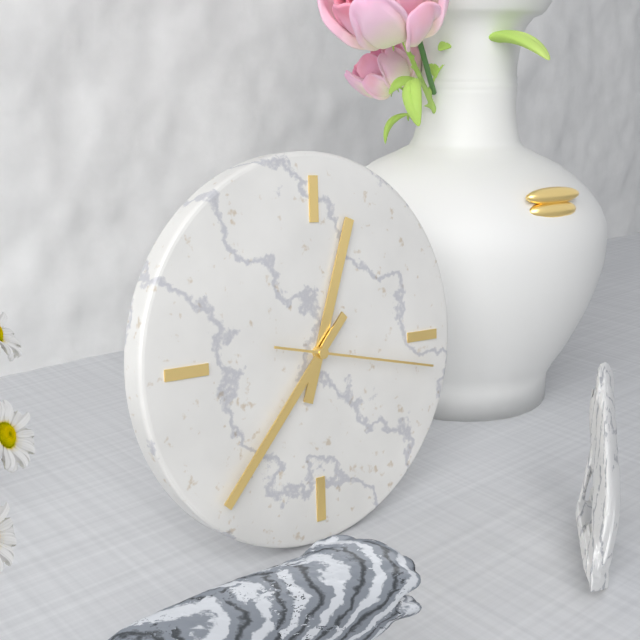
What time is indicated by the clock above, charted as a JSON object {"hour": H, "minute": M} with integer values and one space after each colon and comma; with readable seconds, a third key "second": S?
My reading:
{"hour": 12, "minute": 37, "second": 17}
